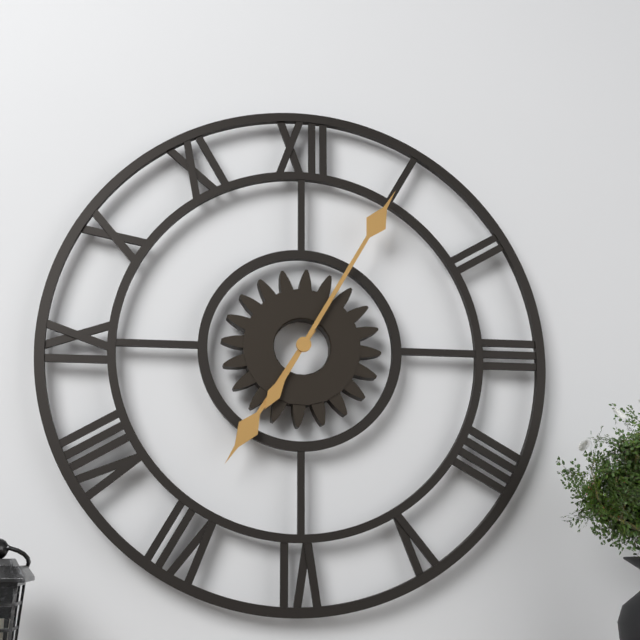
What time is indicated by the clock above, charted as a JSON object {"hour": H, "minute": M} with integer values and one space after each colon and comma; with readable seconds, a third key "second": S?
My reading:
{"hour": 7, "minute": 5}
